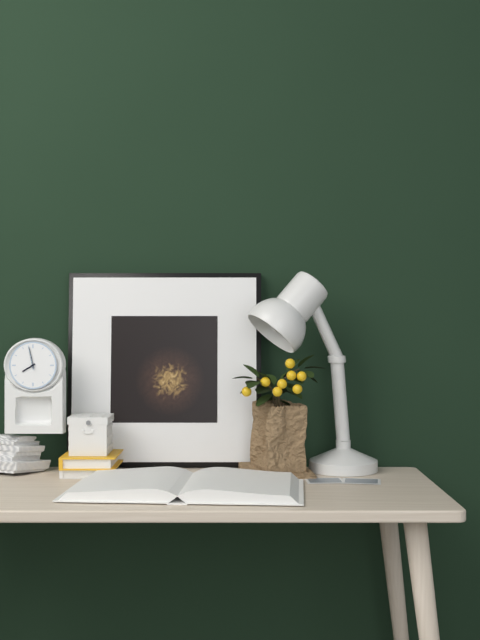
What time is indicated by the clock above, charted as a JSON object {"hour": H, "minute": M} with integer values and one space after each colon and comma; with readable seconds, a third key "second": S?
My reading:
{"hour": 7, "minute": 58}
